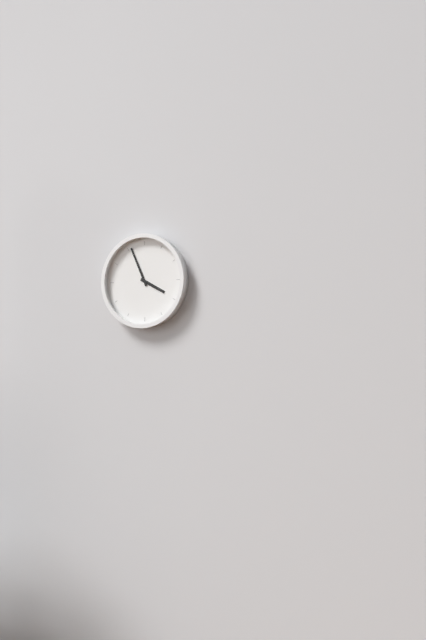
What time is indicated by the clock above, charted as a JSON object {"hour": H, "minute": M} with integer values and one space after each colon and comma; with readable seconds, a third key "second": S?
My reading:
{"hour": 3, "minute": 56}
